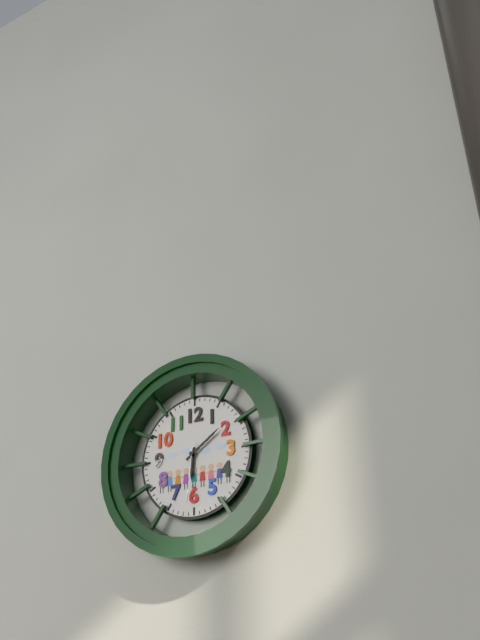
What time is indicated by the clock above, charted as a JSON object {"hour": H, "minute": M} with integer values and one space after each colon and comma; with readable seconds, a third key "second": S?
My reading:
{"hour": 6, "minute": 9, "second": 31}
